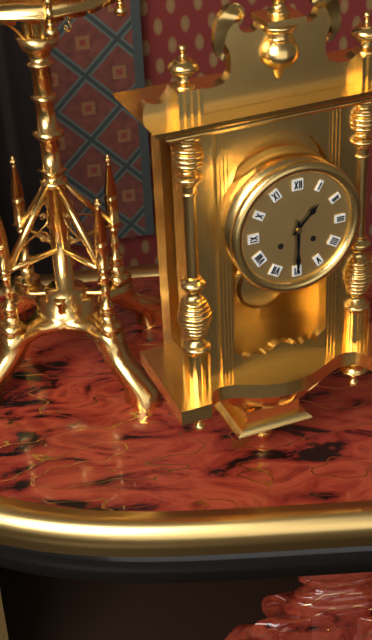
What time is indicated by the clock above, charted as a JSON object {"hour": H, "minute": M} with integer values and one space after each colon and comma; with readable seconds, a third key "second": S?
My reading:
{"hour": 1, "minute": 30}
